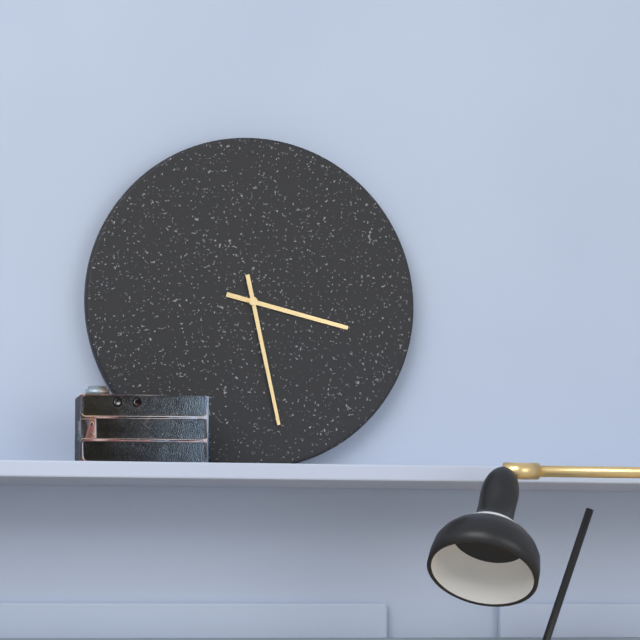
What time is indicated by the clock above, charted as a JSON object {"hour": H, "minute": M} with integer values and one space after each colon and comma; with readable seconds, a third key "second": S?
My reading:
{"hour": 3, "minute": 28}
